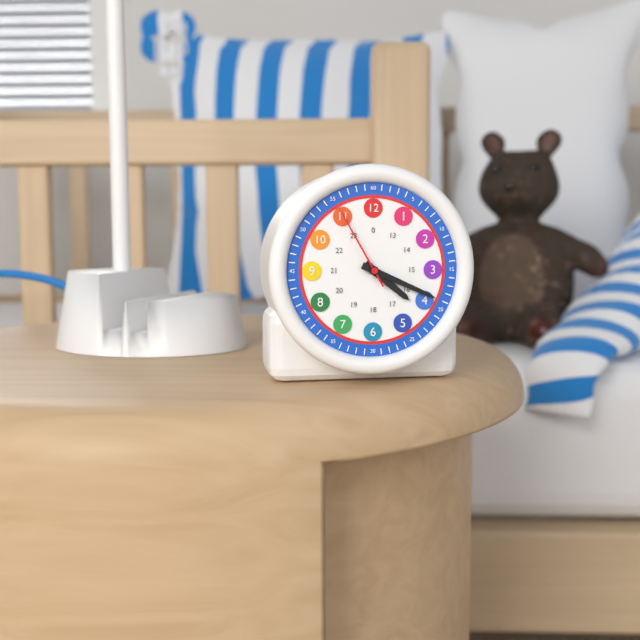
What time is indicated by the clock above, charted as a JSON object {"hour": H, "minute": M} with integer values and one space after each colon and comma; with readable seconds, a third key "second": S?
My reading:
{"hour": 4, "minute": 19, "second": 55}
